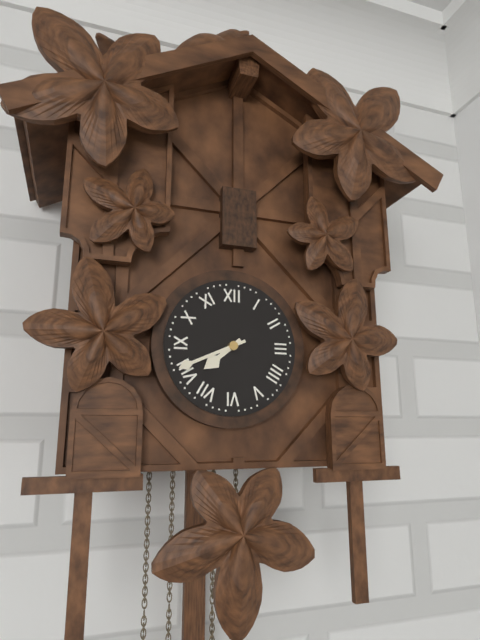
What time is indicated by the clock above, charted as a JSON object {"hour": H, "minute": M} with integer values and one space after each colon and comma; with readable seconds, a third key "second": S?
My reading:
{"hour": 7, "minute": 41}
